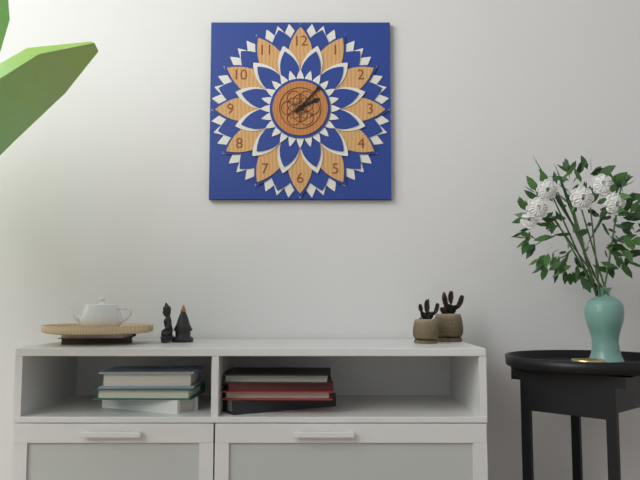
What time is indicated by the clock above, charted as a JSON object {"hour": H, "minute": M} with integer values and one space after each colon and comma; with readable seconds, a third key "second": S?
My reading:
{"hour": 2, "minute": 7}
